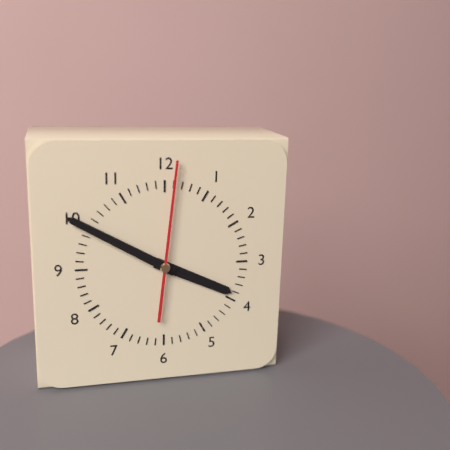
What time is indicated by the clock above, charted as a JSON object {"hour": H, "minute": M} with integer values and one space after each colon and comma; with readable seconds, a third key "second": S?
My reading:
{"hour": 3, "minute": 50, "second": 1}
